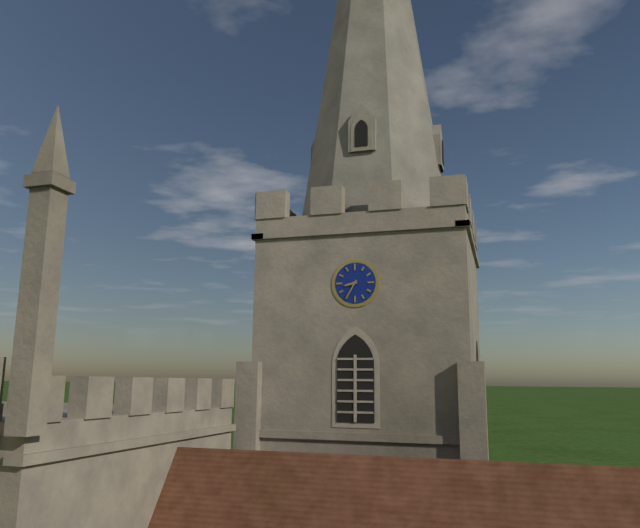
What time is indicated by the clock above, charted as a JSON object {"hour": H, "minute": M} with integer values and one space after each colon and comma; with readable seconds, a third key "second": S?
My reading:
{"hour": 8, "minute": 35}
